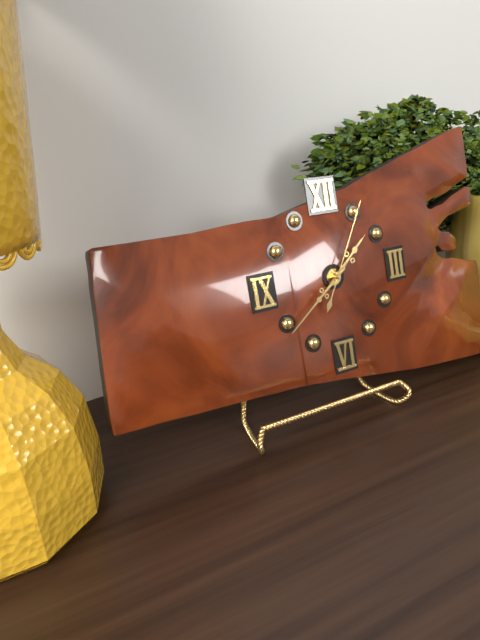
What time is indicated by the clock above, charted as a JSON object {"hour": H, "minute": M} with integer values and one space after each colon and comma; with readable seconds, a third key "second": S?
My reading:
{"hour": 1, "minute": 39, "second": 5}
